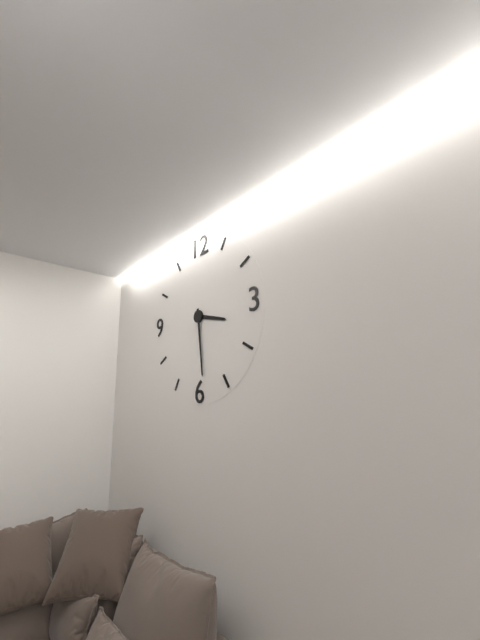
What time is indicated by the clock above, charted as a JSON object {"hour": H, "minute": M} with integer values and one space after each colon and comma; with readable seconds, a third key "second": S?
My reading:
{"hour": 3, "minute": 29}
